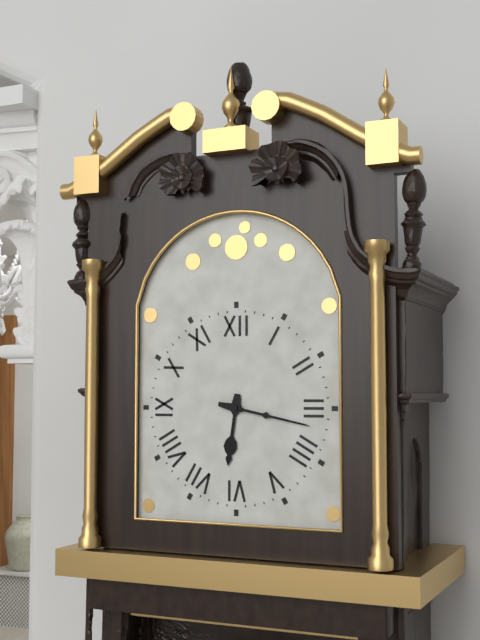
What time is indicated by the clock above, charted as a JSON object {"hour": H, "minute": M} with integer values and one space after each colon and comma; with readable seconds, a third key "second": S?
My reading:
{"hour": 6, "minute": 17}
